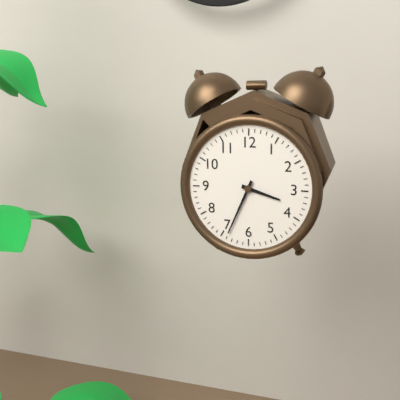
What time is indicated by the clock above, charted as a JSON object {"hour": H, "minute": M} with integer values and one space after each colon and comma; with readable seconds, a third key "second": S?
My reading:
{"hour": 3, "minute": 34}
